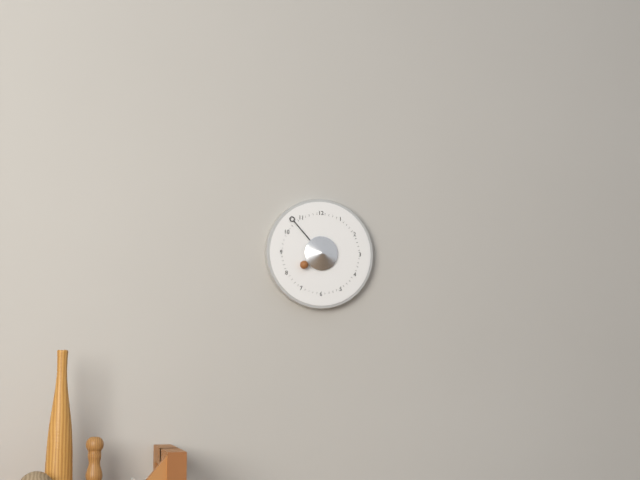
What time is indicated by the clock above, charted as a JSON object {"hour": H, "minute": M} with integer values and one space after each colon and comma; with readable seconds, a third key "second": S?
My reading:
{"hour": 7, "minute": 53}
